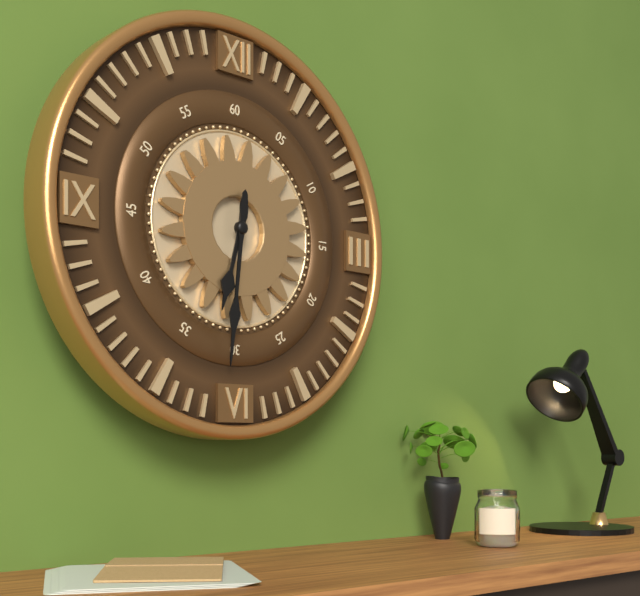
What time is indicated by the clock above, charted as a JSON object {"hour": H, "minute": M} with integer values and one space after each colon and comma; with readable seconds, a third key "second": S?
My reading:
{"hour": 6, "minute": 31}
